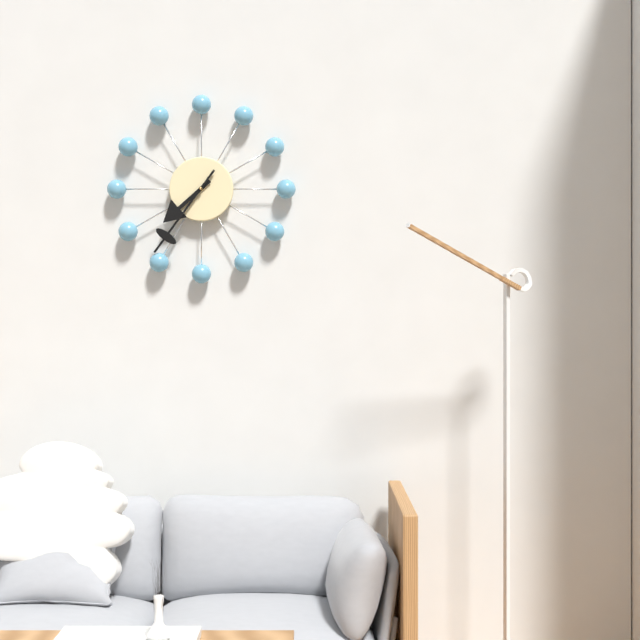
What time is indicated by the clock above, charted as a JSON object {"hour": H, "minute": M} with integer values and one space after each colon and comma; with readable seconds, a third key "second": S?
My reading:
{"hour": 7, "minute": 36}
